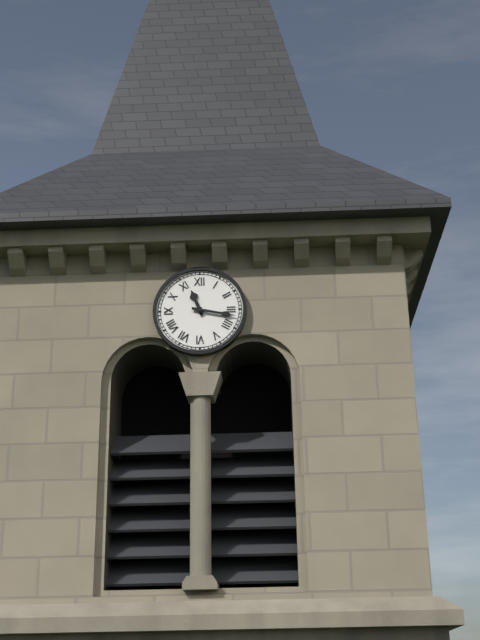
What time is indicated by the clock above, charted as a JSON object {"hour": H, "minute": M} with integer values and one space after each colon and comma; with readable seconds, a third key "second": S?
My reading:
{"hour": 11, "minute": 17}
